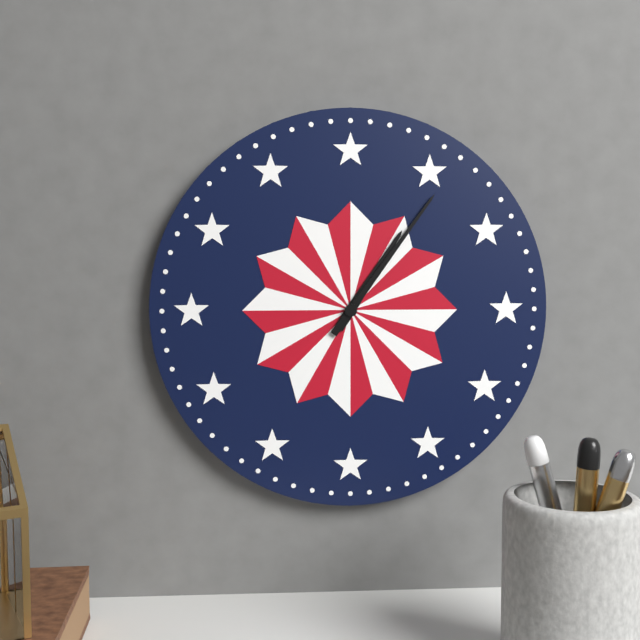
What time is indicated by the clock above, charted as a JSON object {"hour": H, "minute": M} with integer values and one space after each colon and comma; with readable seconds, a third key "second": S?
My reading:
{"hour": 1, "minute": 6}
